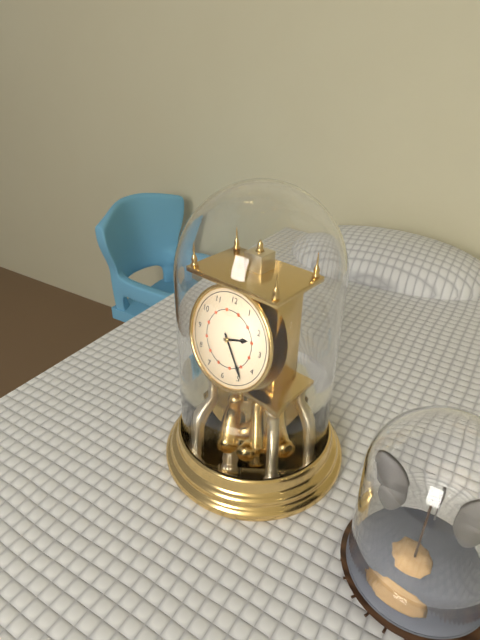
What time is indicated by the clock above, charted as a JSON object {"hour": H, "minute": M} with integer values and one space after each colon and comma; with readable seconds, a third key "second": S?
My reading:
{"hour": 2, "minute": 24}
